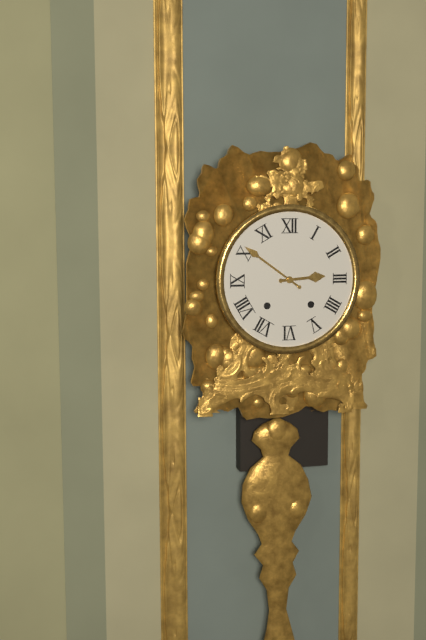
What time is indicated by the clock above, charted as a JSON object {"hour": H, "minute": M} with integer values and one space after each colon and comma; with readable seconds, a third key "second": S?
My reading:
{"hour": 2, "minute": 51}
